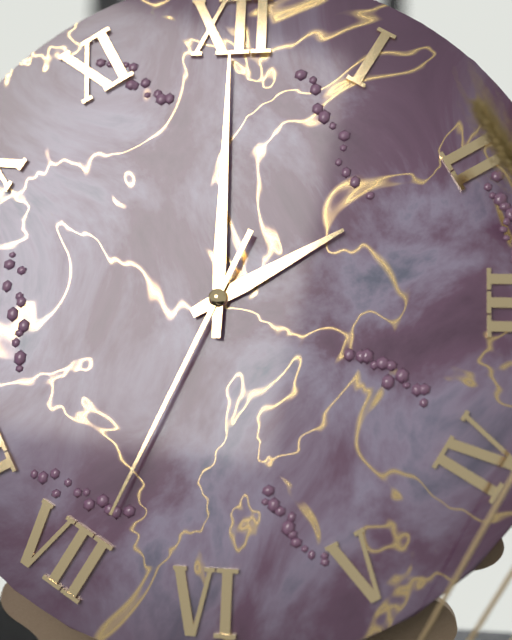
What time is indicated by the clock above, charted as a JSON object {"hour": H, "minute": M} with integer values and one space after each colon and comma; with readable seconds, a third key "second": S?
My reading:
{"hour": 2, "minute": 0, "second": 34}
